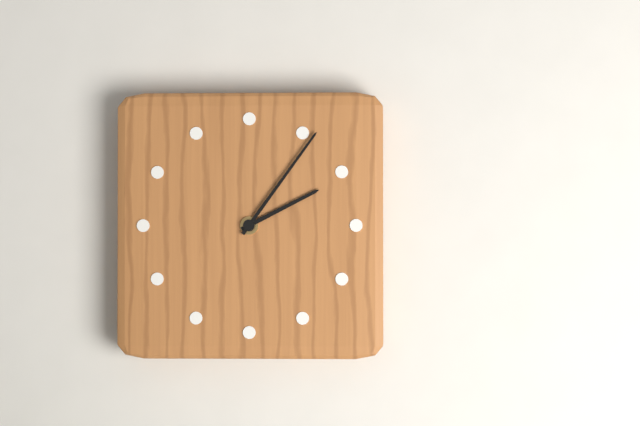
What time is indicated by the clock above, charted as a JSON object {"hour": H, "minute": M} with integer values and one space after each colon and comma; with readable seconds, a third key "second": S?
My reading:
{"hour": 2, "minute": 6}
